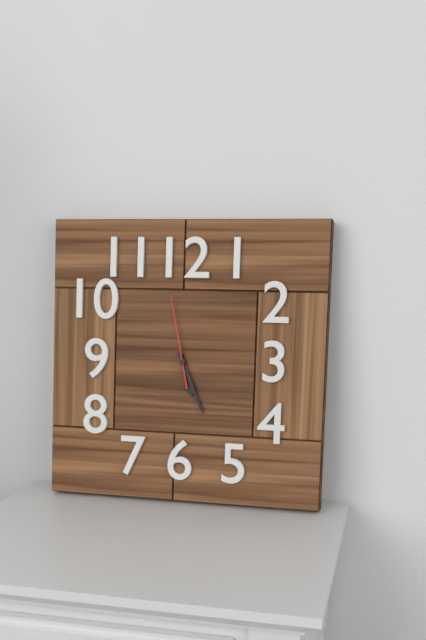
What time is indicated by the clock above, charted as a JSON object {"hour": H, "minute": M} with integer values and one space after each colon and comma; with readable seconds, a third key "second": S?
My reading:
{"hour": 5, "minute": 26, "second": 58}
